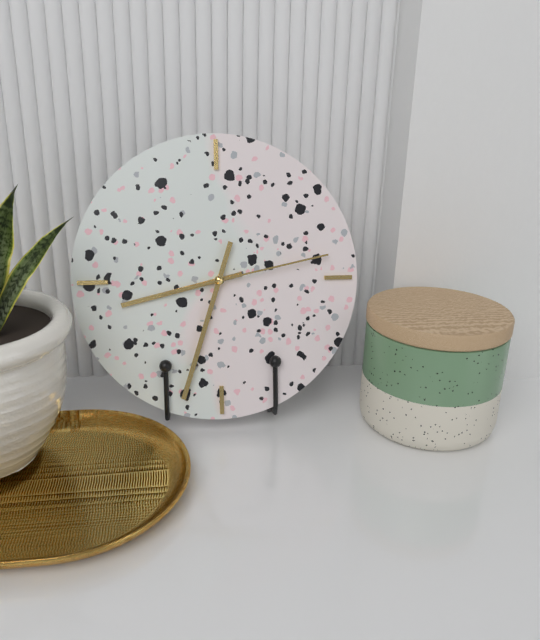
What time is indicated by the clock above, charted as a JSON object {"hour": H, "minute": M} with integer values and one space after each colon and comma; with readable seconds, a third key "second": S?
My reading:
{"hour": 8, "minute": 33, "second": 13}
